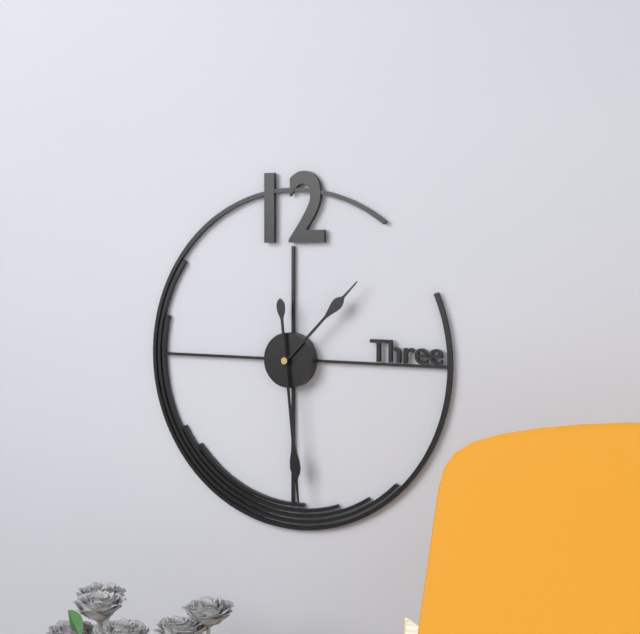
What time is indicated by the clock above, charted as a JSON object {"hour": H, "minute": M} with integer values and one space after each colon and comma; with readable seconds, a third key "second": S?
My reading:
{"hour": 1, "minute": 29}
